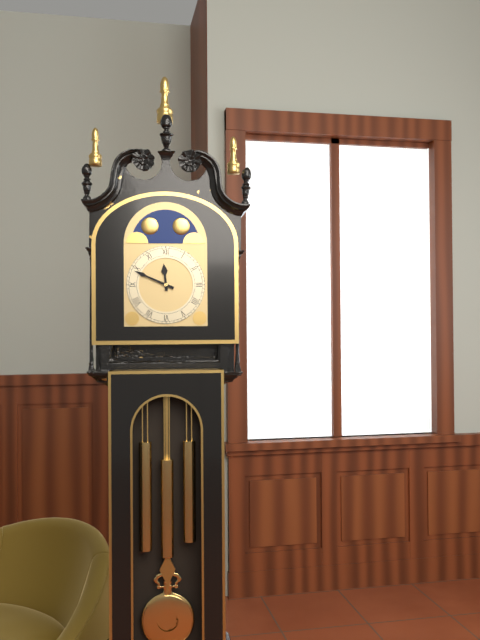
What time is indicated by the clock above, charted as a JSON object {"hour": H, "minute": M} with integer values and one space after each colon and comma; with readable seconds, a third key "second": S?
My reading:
{"hour": 11, "minute": 49}
